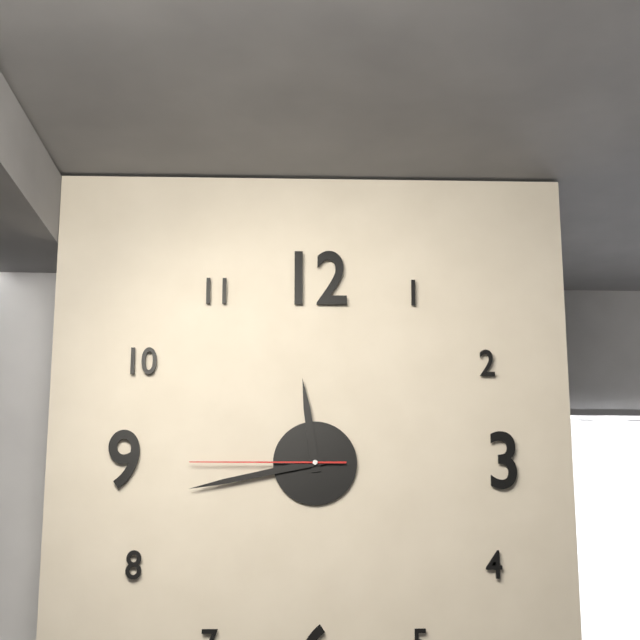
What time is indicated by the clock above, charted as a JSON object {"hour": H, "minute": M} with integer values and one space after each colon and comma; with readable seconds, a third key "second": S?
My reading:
{"hour": 11, "minute": 43, "second": 45}
